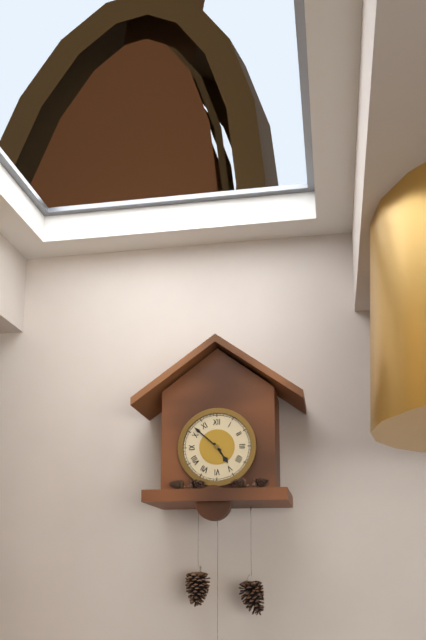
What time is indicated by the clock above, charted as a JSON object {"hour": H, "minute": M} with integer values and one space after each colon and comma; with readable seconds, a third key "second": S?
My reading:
{"hour": 4, "minute": 52}
